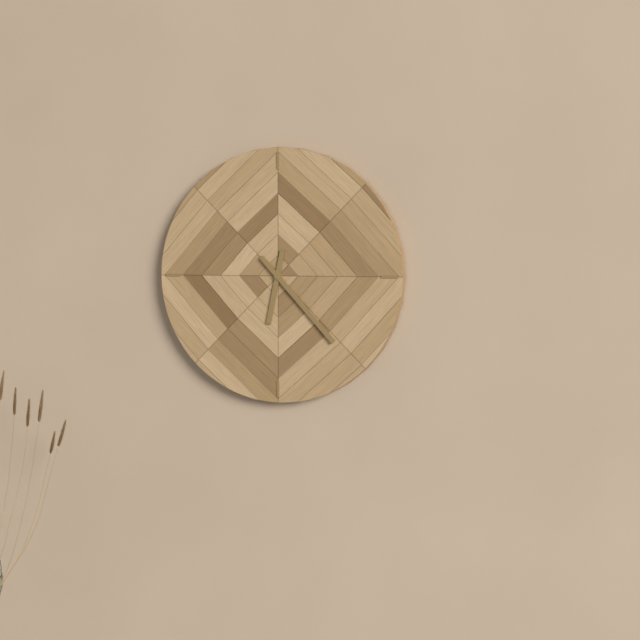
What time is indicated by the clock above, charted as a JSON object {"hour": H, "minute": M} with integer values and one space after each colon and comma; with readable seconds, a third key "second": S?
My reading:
{"hour": 6, "minute": 23}
